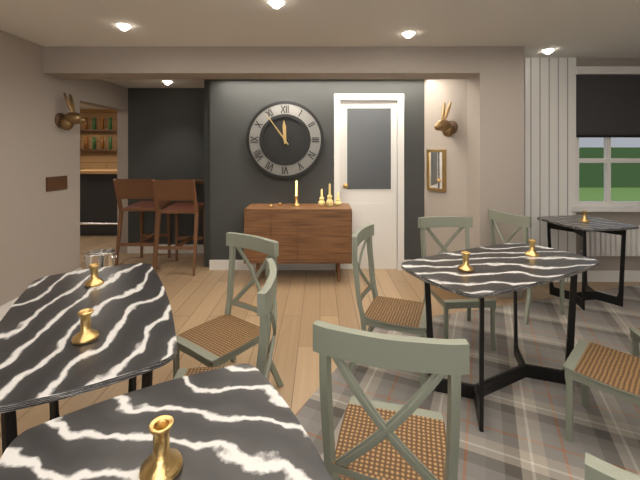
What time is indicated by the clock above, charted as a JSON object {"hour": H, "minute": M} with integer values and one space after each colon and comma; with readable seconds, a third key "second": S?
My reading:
{"hour": 11, "minute": 54}
